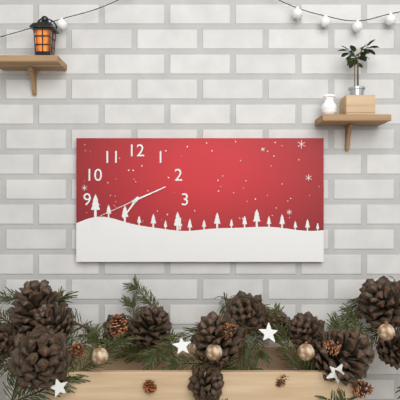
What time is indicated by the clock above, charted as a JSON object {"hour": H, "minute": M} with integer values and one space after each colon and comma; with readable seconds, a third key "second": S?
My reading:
{"hour": 7, "minute": 11}
